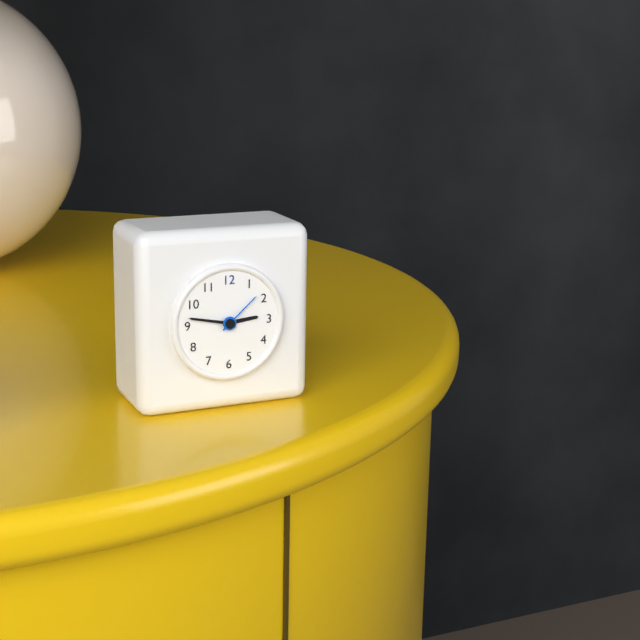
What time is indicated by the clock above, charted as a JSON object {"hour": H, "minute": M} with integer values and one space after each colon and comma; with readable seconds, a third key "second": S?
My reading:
{"hour": 2, "minute": 47}
